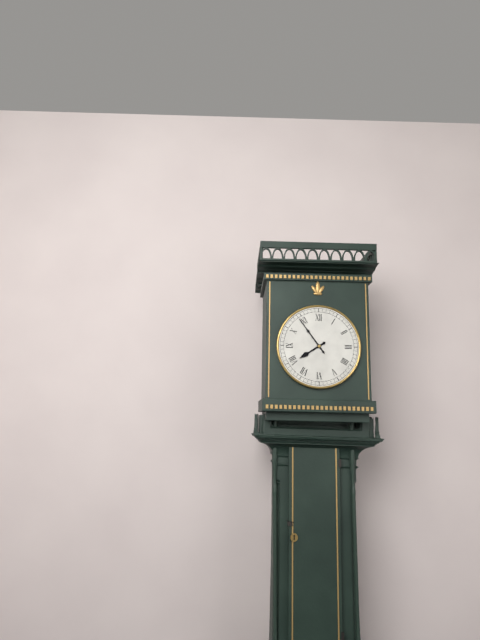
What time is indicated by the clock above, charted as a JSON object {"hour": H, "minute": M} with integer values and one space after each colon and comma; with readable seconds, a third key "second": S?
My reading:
{"hour": 7, "minute": 54}
